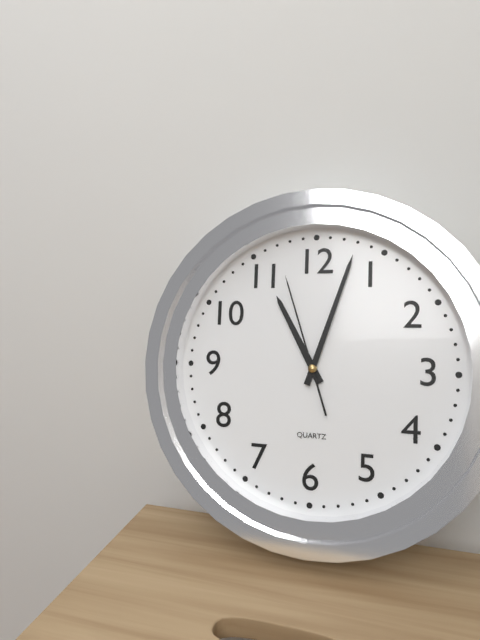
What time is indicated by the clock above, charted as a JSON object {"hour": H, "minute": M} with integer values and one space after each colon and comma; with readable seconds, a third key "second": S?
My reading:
{"hour": 11, "minute": 3, "second": 57}
